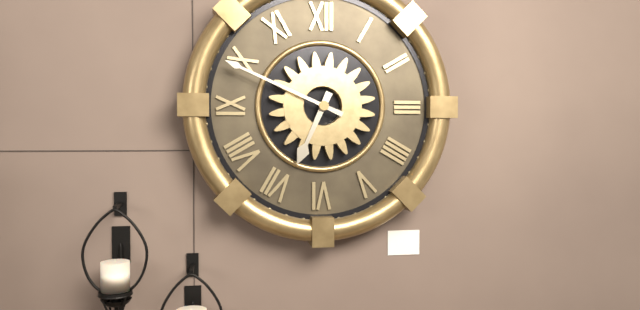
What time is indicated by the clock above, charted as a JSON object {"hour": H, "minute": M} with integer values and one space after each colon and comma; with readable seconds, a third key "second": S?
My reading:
{"hour": 6, "minute": 49}
